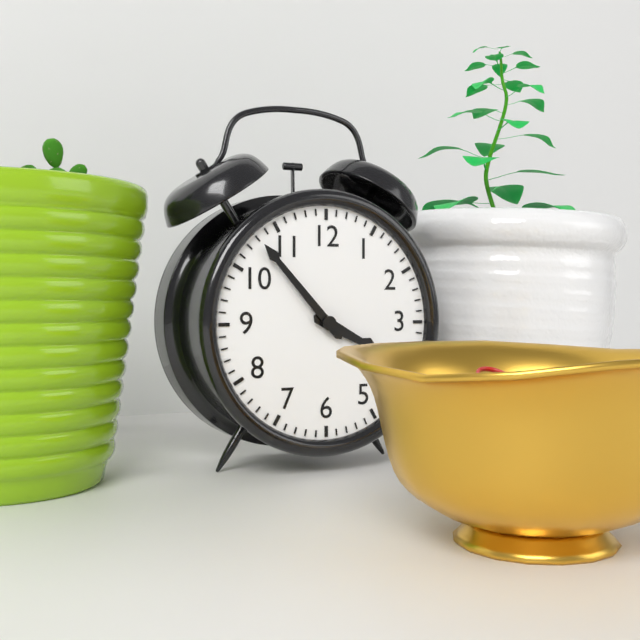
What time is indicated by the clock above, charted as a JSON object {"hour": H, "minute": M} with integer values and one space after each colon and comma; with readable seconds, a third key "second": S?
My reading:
{"hour": 3, "minute": 53}
